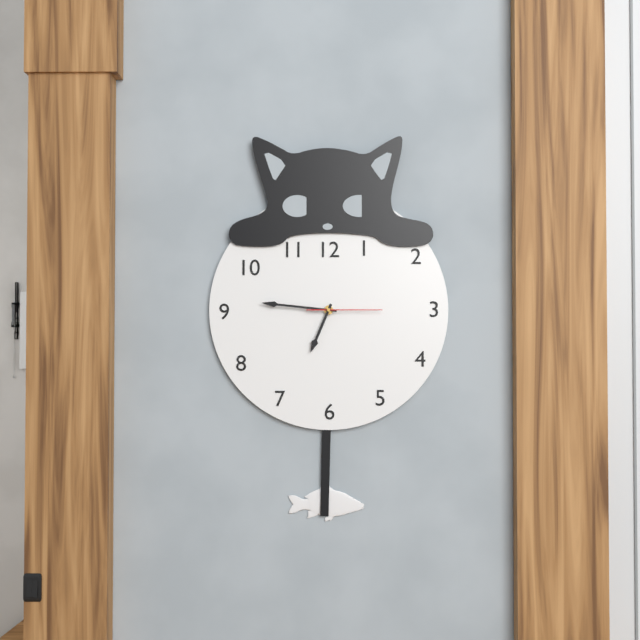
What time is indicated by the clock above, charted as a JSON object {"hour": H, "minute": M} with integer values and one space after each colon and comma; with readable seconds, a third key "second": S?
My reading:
{"hour": 6, "minute": 46, "second": 15}
